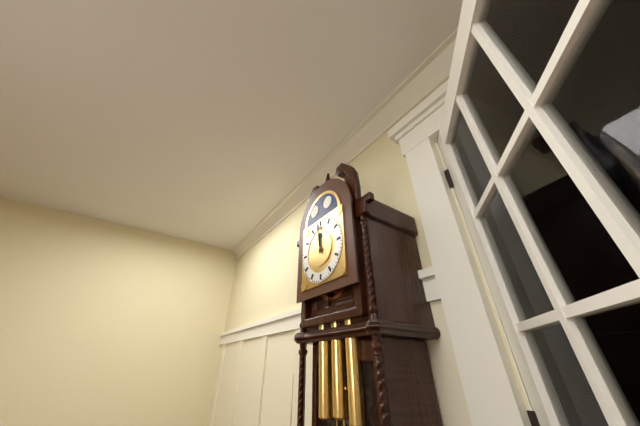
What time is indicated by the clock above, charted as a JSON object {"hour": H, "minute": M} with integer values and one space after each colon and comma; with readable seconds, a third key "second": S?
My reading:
{"hour": 11, "minute": 59}
